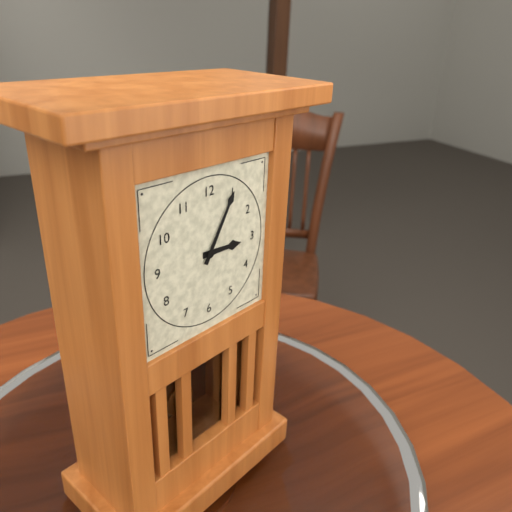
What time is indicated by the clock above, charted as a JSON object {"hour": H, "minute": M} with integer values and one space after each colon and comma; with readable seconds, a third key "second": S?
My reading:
{"hour": 3, "minute": 5}
